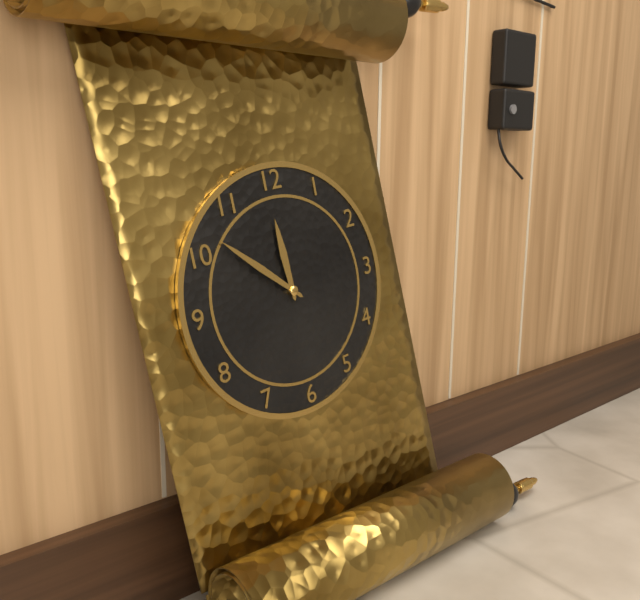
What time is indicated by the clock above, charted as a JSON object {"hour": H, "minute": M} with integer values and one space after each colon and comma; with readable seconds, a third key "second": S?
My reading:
{"hour": 11, "minute": 52}
